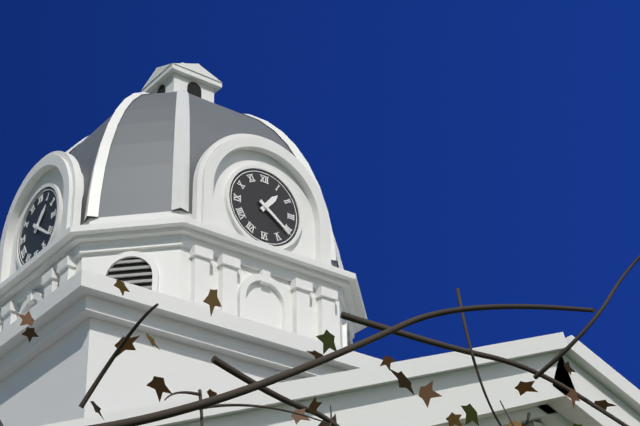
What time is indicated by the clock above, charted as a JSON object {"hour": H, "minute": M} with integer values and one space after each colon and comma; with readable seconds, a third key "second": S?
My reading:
{"hour": 1, "minute": 21}
